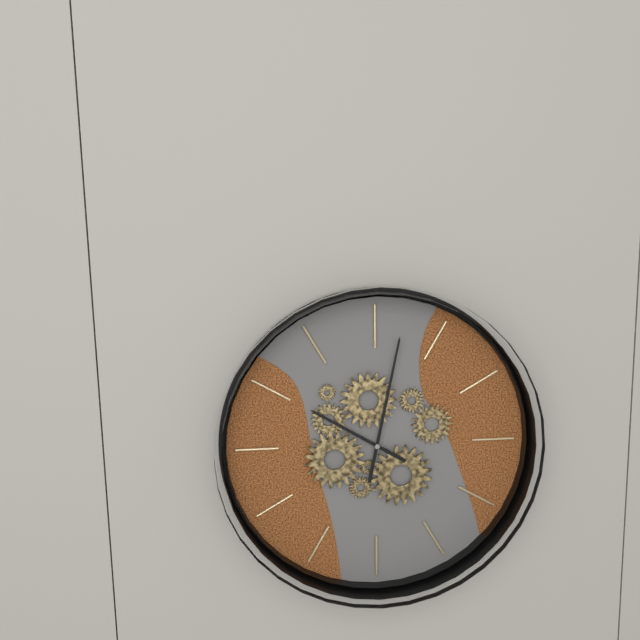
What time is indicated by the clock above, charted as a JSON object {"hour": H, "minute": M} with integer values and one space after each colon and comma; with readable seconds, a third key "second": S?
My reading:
{"hour": 10, "minute": 2}
